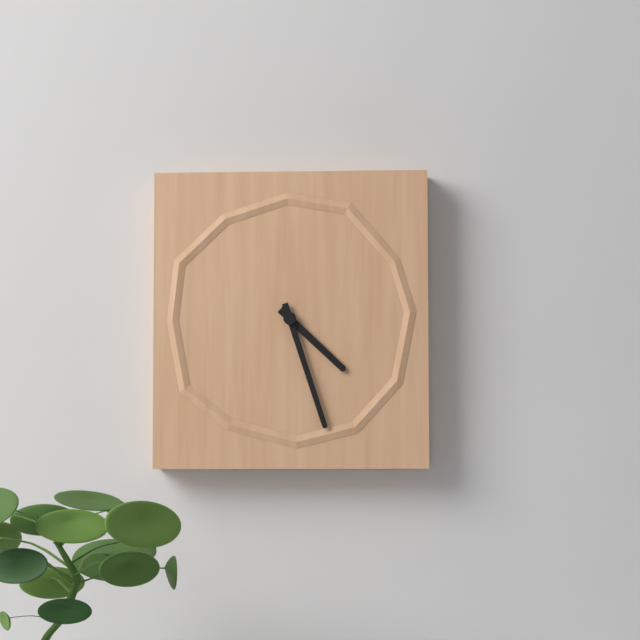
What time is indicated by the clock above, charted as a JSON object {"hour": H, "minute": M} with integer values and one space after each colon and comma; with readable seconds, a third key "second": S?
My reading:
{"hour": 4, "minute": 27}
